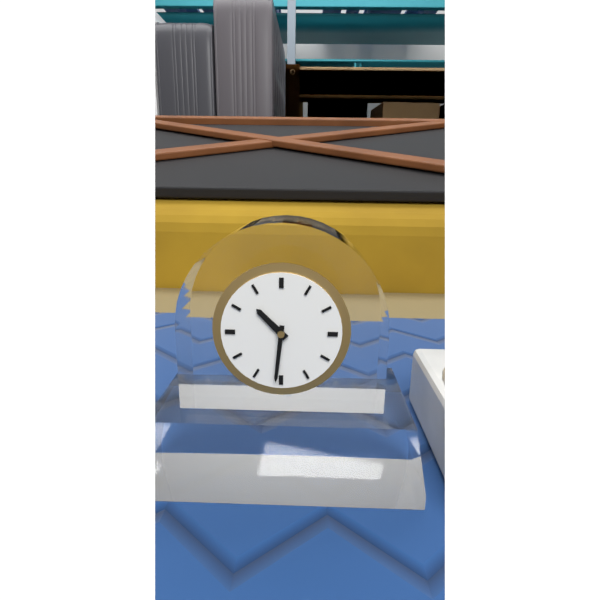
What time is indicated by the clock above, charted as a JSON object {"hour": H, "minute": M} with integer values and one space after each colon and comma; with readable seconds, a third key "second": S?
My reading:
{"hour": 10, "minute": 31}
